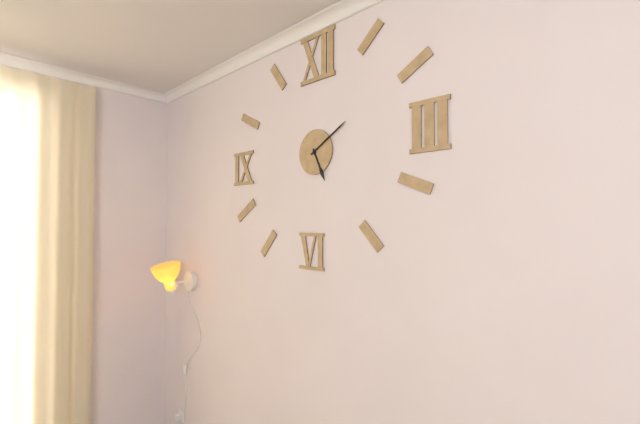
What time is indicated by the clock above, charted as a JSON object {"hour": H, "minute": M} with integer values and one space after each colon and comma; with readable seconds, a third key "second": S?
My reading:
{"hour": 5, "minute": 10}
